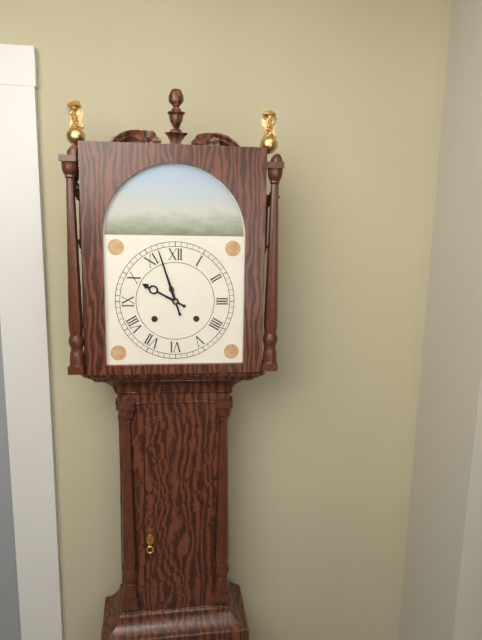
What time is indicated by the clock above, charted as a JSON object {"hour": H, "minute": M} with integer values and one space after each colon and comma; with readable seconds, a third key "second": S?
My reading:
{"hour": 9, "minute": 57}
